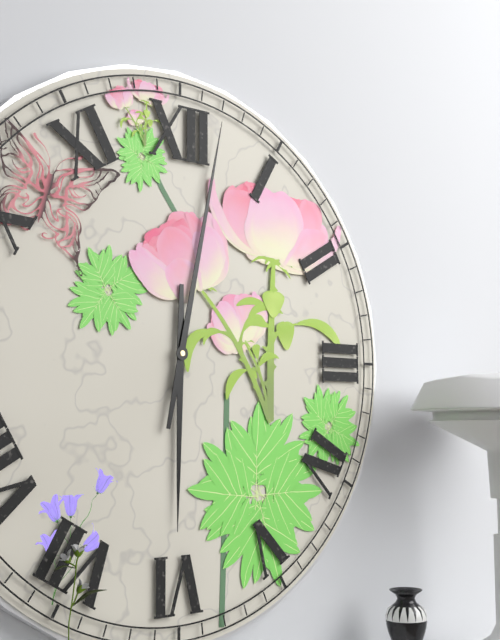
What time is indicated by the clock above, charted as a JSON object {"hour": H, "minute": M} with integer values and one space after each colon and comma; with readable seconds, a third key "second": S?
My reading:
{"hour": 6, "minute": 2}
